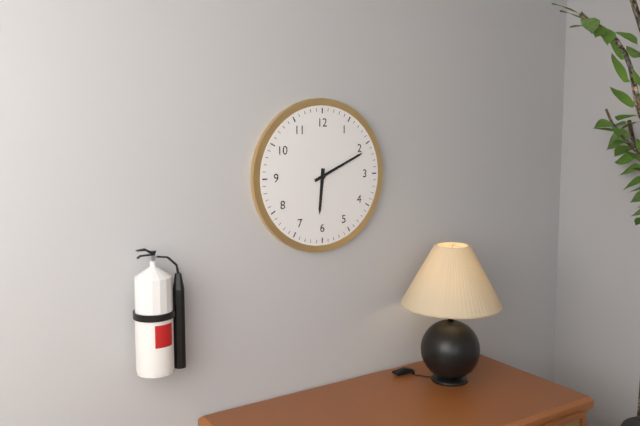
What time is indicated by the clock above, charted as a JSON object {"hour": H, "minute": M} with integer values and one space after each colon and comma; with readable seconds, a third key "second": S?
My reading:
{"hour": 6, "minute": 11}
